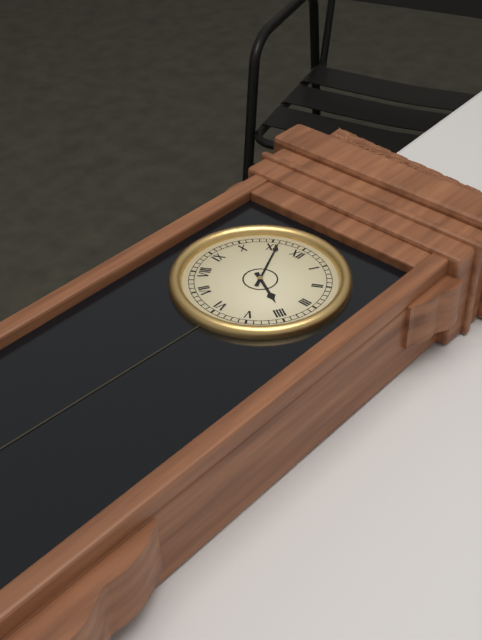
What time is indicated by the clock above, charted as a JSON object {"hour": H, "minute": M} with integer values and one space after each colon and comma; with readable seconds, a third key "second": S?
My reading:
{"hour": 3, "minute": 56}
